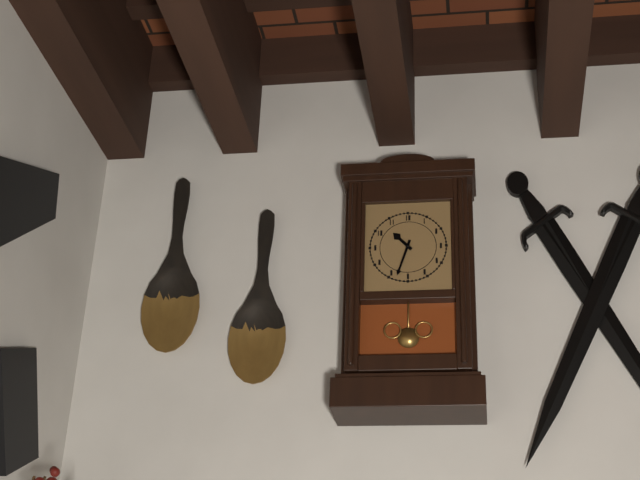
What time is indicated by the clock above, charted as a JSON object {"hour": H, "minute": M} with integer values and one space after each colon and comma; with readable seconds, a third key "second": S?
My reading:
{"hour": 10, "minute": 33}
